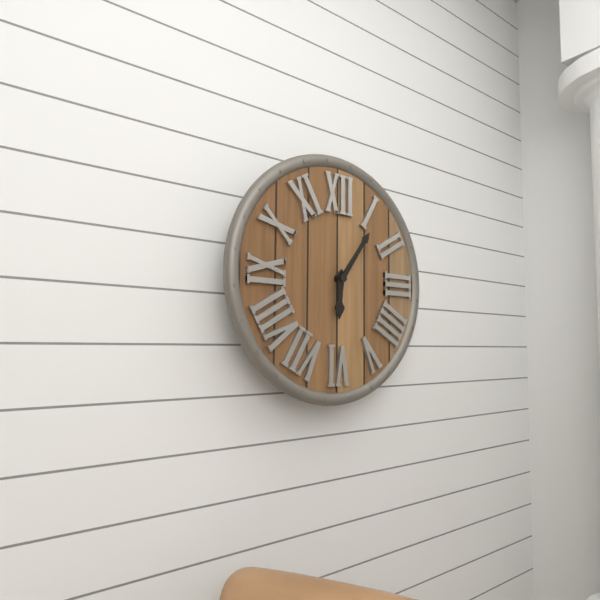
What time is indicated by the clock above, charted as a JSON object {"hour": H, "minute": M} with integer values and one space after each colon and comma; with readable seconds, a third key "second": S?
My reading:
{"hour": 6, "minute": 6}
